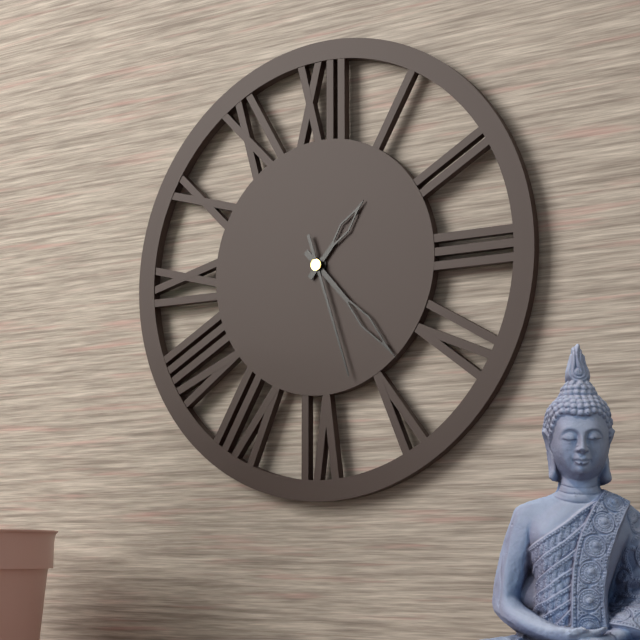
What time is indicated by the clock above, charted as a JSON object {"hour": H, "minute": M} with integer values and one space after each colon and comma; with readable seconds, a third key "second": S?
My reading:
{"hour": 1, "minute": 23, "second": 27}
